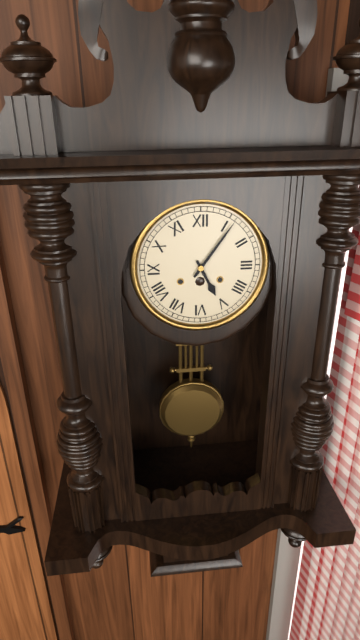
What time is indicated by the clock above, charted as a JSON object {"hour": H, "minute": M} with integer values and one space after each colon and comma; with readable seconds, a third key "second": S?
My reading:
{"hour": 5, "minute": 6}
